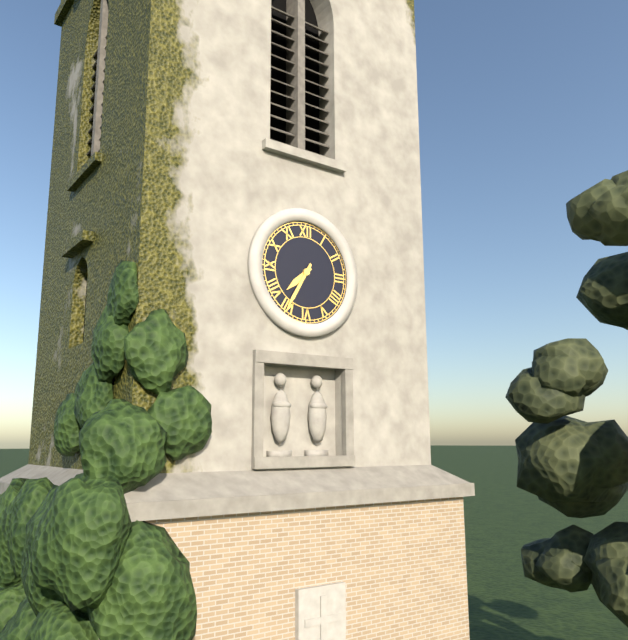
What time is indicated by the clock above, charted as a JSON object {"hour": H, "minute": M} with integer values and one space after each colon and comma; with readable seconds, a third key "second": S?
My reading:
{"hour": 7, "minute": 35}
